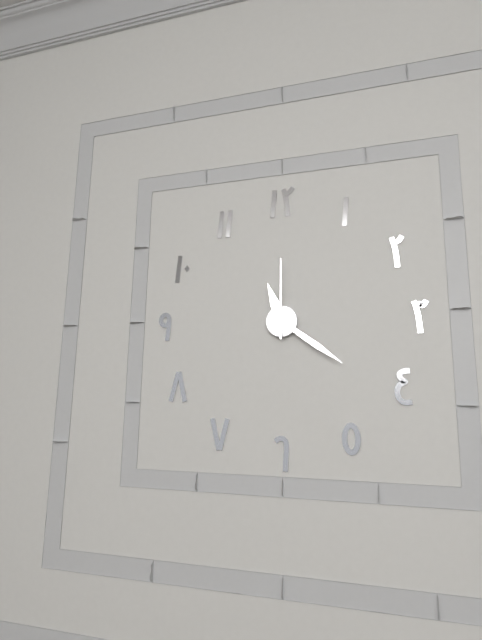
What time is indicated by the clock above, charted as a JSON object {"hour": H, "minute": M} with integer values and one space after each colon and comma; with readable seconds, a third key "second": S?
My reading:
{"hour": 11, "minute": 21, "second": 0}
